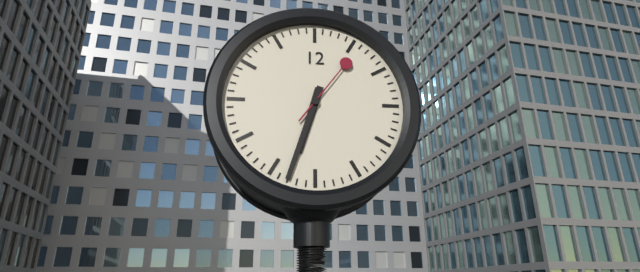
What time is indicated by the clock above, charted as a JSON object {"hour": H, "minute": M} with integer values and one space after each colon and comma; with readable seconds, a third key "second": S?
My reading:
{"hour": 6, "minute": 33, "second": 6}
